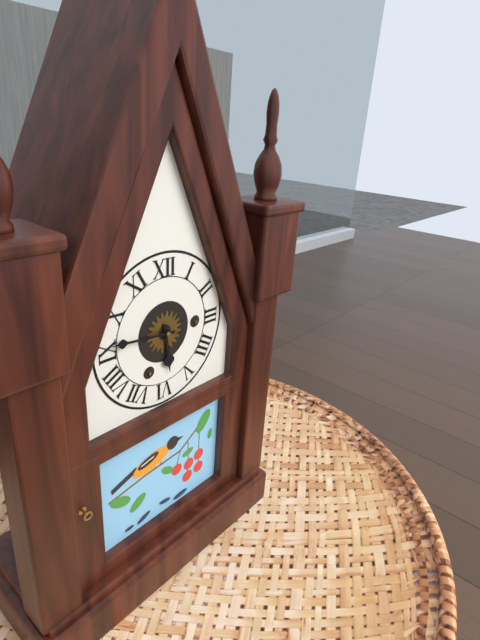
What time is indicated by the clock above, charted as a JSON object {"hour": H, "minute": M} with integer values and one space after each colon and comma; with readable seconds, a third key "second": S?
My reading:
{"hour": 5, "minute": 46}
